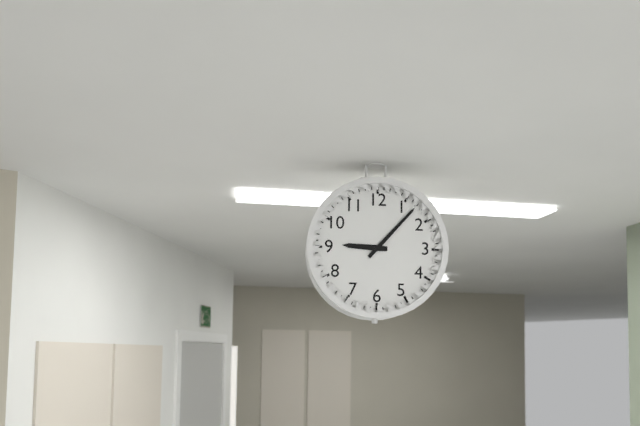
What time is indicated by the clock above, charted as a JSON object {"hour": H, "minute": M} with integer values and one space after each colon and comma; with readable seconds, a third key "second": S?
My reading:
{"hour": 9, "minute": 7}
